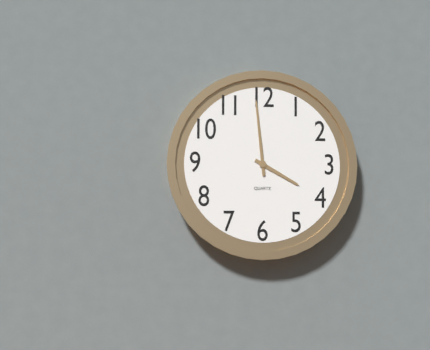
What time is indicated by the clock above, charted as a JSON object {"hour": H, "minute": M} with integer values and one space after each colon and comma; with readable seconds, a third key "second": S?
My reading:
{"hour": 3, "minute": 59}
